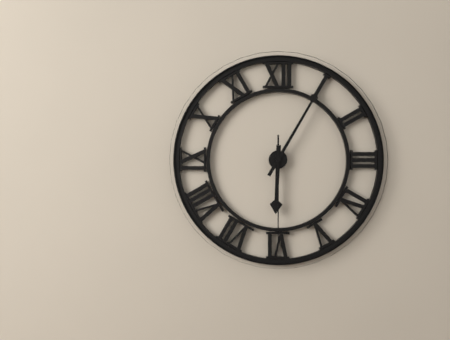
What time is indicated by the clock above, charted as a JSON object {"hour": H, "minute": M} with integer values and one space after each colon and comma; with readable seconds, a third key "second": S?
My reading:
{"hour": 6, "minute": 5, "second": 30}
